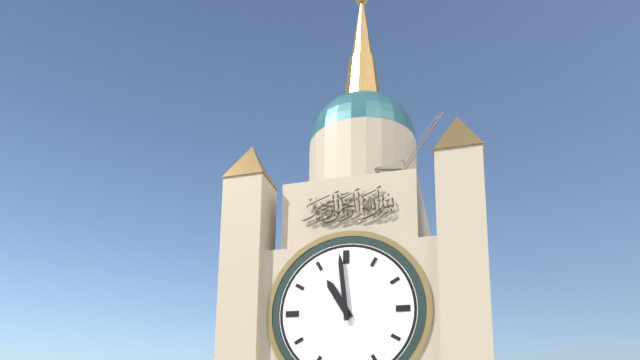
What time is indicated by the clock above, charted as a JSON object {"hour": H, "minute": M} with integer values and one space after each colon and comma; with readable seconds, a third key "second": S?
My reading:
{"hour": 10, "minute": 59}
